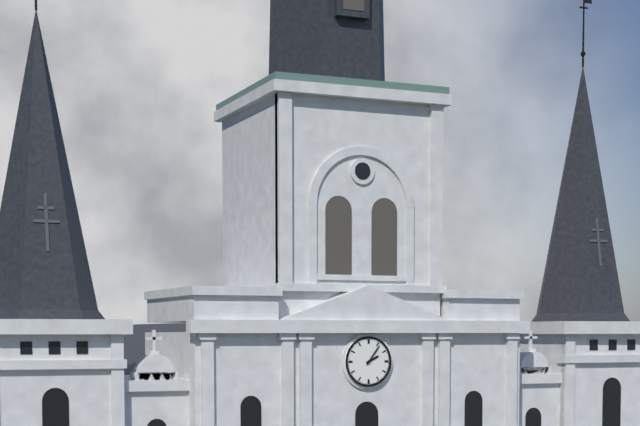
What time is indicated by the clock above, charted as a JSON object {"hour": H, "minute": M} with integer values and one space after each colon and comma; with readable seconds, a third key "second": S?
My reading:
{"hour": 2, "minute": 6}
